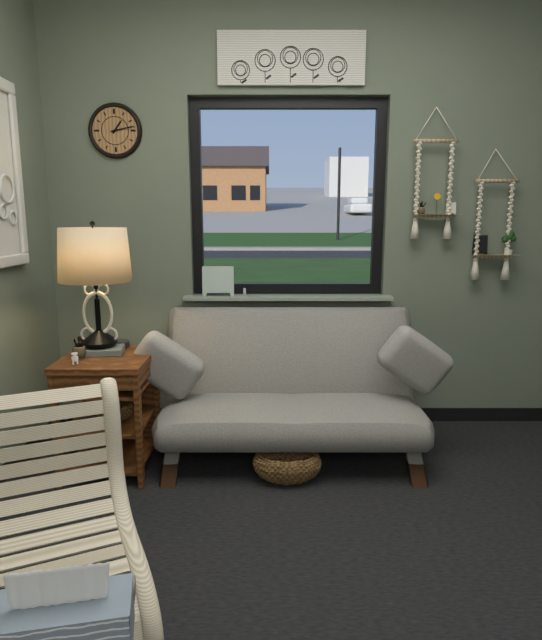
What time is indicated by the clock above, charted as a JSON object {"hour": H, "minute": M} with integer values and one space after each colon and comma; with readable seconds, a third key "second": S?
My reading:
{"hour": 1, "minute": 13}
